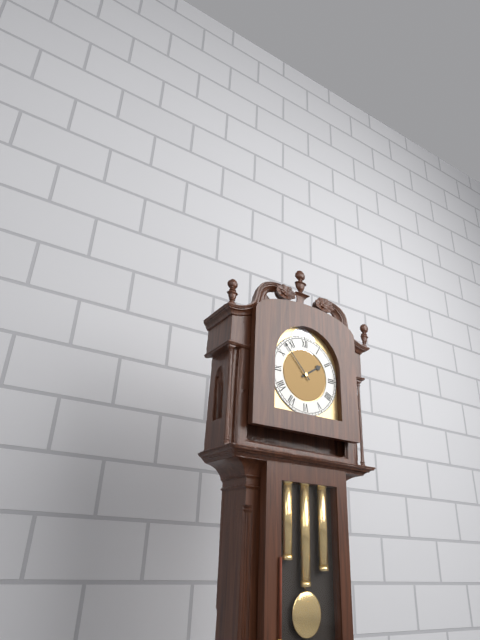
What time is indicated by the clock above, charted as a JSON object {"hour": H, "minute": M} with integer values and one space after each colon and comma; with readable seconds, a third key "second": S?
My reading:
{"hour": 1, "minute": 53}
